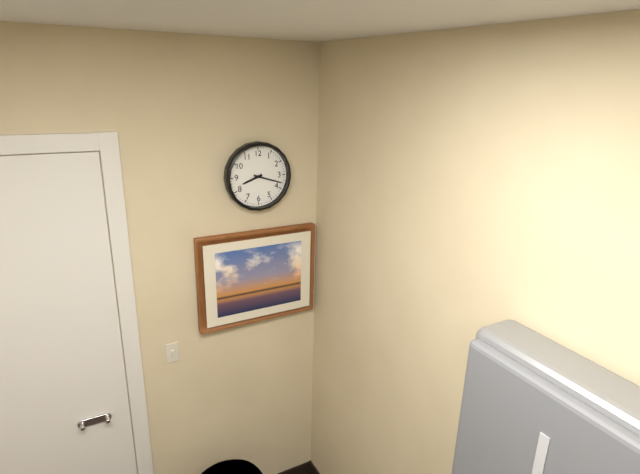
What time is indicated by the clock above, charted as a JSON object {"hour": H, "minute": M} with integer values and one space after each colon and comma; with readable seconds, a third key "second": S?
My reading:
{"hour": 8, "minute": 18}
